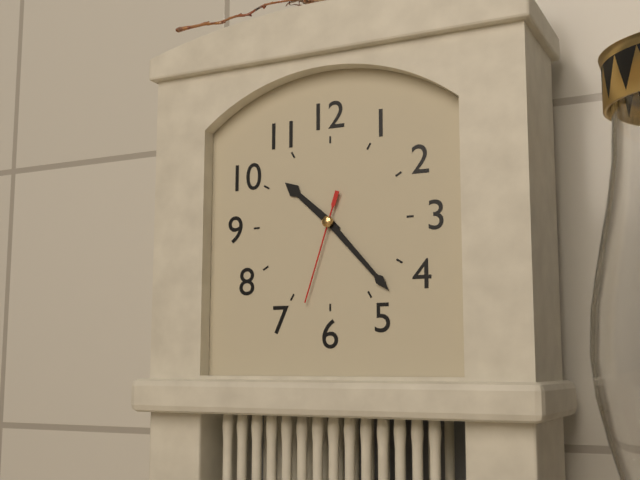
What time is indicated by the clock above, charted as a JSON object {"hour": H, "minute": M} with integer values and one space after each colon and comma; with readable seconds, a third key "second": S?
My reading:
{"hour": 10, "minute": 23, "second": 33}
